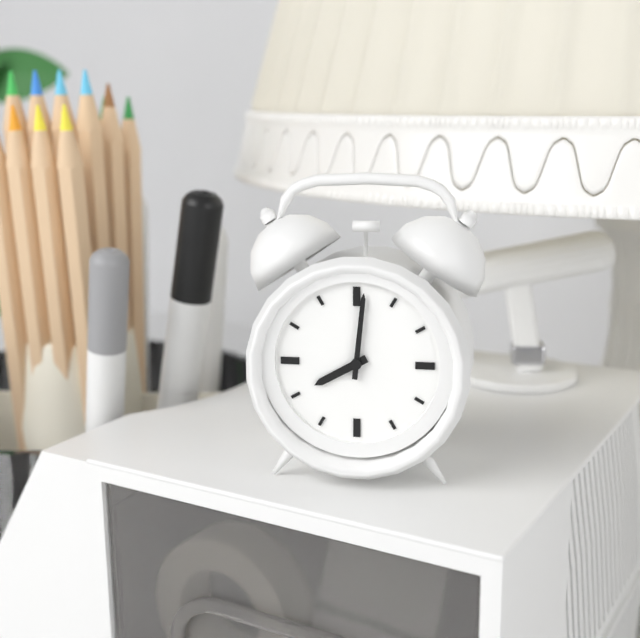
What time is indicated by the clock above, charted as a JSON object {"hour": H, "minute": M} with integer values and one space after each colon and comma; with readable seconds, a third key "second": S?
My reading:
{"hour": 8, "minute": 1}
